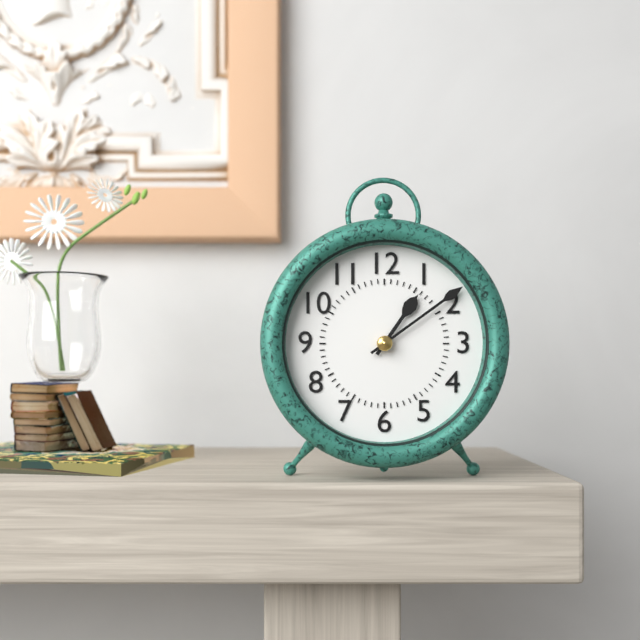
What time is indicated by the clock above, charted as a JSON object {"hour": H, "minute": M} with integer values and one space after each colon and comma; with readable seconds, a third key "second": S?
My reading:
{"hour": 1, "minute": 9}
